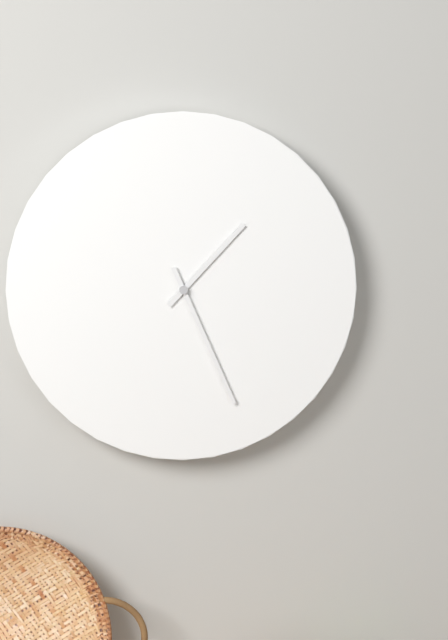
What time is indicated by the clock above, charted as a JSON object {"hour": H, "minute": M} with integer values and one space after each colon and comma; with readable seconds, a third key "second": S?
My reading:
{"hour": 1, "minute": 26}
